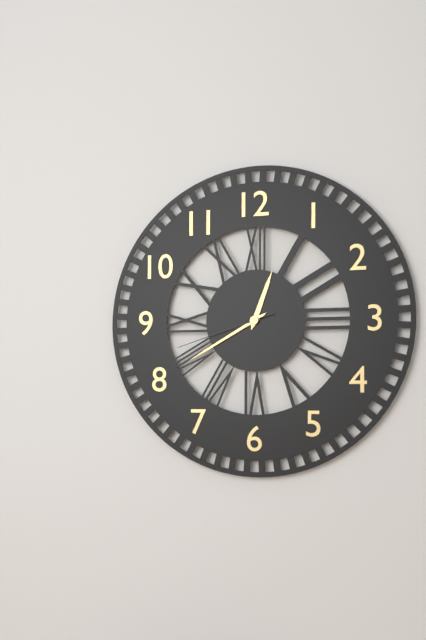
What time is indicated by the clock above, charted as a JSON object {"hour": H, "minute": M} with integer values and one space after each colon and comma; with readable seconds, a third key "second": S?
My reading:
{"hour": 12, "minute": 40, "second": 42}
